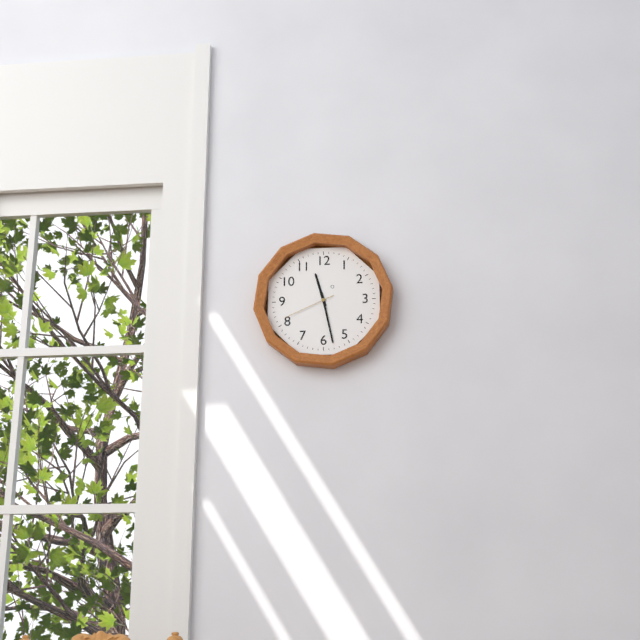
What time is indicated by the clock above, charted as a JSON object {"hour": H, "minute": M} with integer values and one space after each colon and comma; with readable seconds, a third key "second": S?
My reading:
{"hour": 11, "minute": 28, "second": 41}
